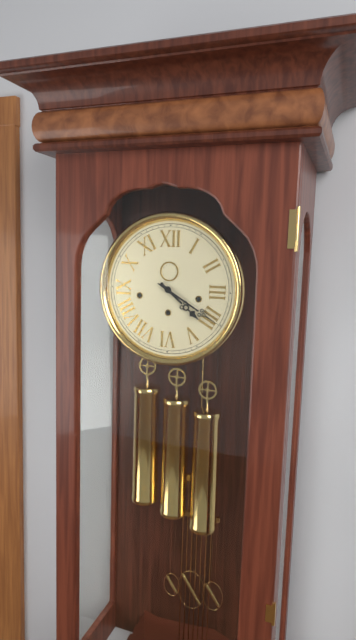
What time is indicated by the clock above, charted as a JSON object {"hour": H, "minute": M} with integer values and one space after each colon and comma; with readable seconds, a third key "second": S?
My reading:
{"hour": 4, "minute": 20}
